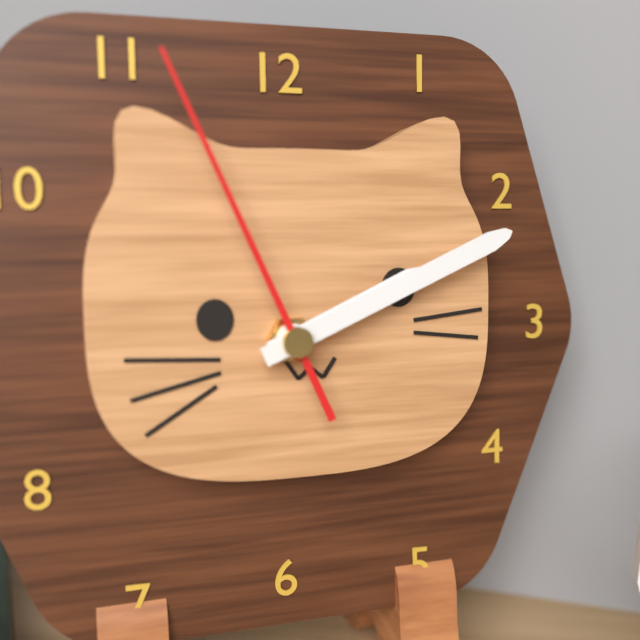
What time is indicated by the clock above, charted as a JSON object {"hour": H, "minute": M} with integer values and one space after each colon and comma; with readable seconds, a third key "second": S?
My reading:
{"hour": 2, "minute": 11, "second": 56}
